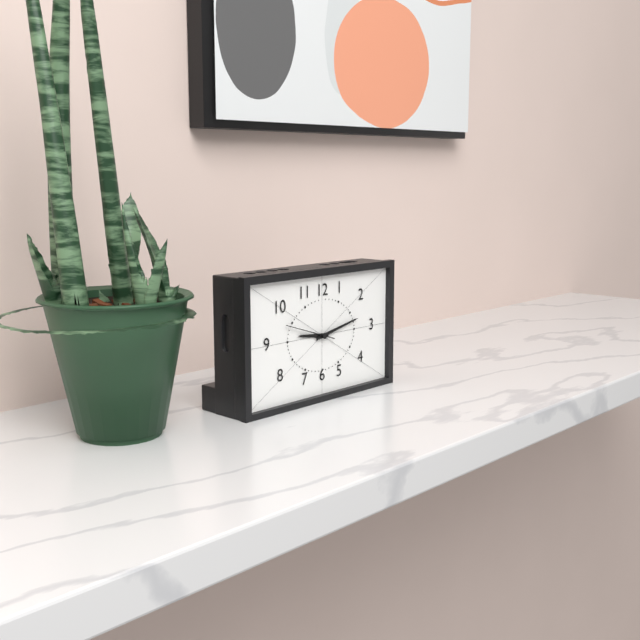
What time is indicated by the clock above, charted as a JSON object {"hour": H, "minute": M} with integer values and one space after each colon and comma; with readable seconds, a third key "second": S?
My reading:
{"hour": 9, "minute": 13}
